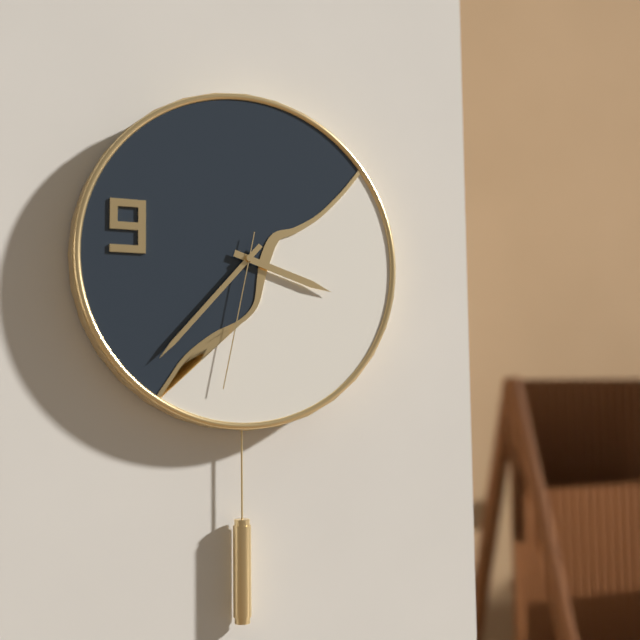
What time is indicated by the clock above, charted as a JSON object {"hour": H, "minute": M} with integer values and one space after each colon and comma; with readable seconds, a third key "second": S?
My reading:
{"hour": 3, "minute": 37, "second": 32}
